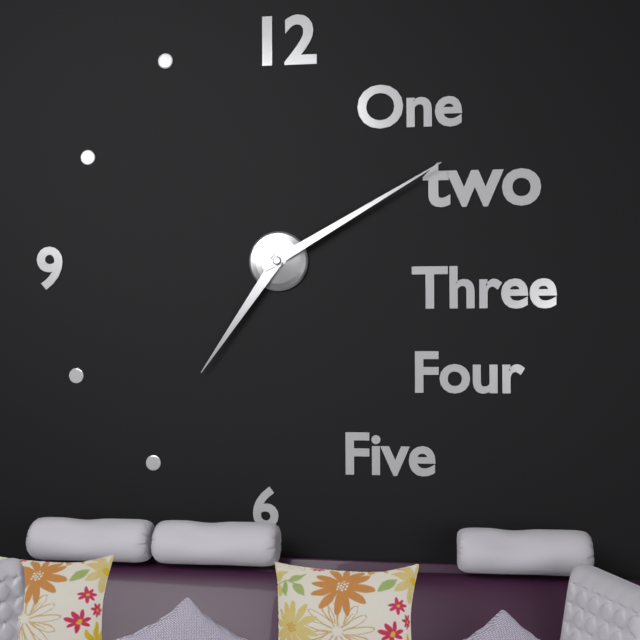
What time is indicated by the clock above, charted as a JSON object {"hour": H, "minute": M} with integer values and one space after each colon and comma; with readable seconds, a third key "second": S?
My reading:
{"hour": 7, "minute": 10}
